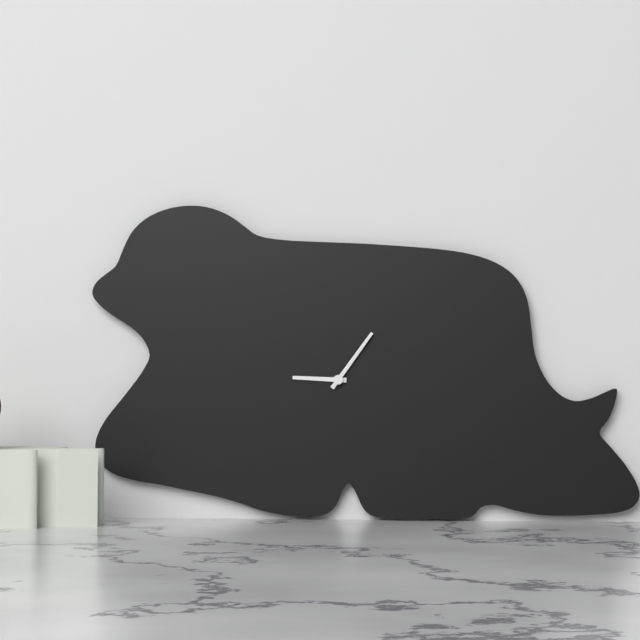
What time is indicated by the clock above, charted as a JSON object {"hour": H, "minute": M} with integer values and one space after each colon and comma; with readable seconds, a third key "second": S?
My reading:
{"hour": 9, "minute": 6}
